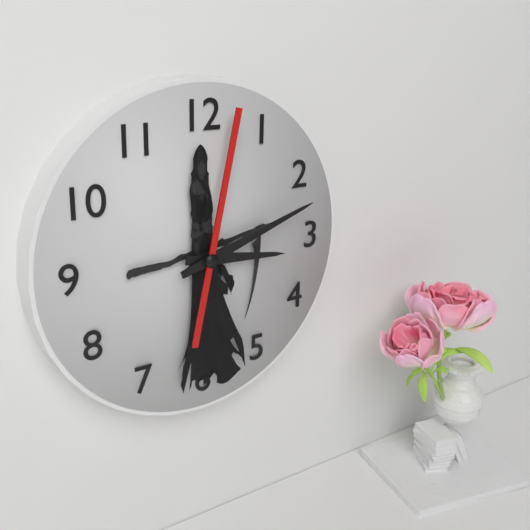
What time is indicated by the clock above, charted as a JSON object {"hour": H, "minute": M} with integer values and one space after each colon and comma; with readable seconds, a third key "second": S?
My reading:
{"hour": 3, "minute": 12, "second": 2}
